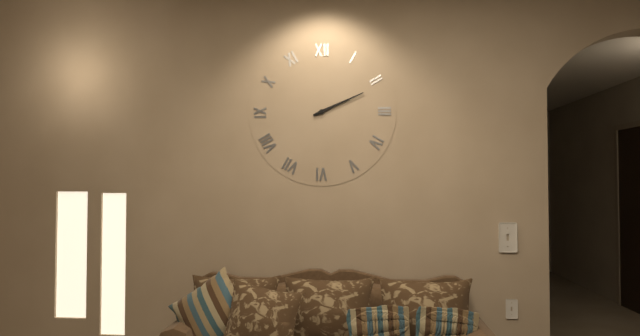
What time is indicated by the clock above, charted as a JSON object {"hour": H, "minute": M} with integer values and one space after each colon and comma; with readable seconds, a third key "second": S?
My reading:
{"hour": 2, "minute": 11}
